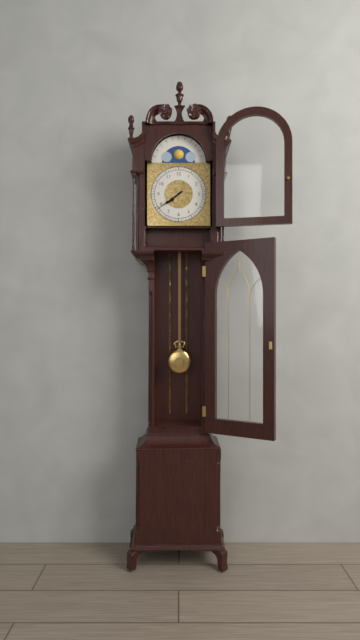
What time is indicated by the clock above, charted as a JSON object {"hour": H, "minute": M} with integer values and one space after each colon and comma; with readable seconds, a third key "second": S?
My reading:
{"hour": 7, "minute": 39}
